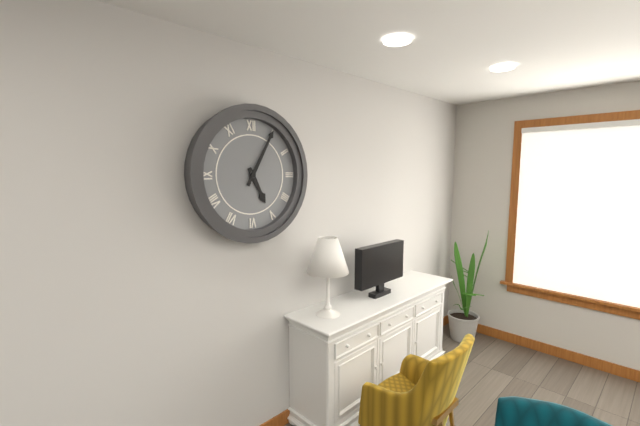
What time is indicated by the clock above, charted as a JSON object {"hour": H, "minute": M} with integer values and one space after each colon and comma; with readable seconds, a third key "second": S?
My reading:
{"hour": 5, "minute": 5}
